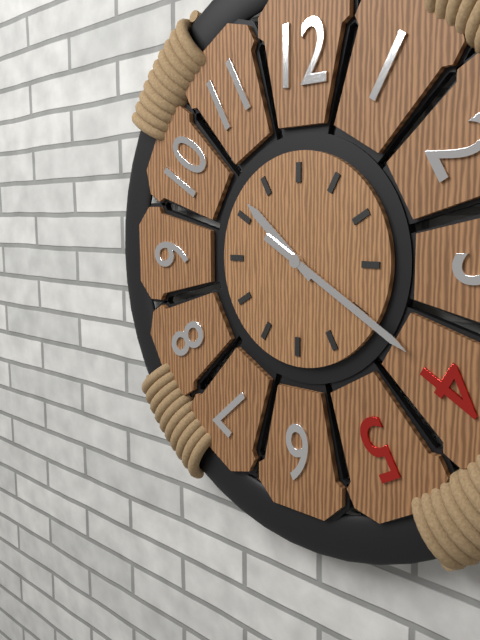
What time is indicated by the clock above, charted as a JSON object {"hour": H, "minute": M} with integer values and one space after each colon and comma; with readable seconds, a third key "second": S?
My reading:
{"hour": 10, "minute": 20}
